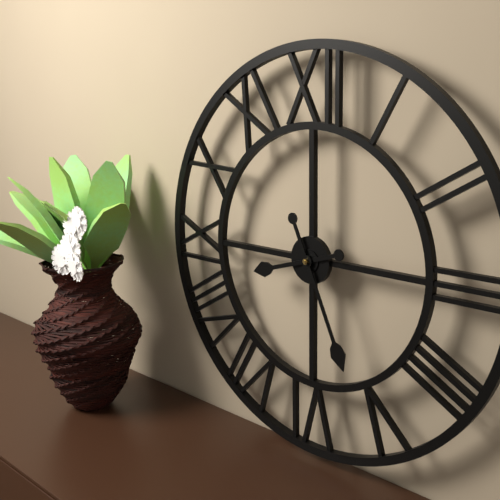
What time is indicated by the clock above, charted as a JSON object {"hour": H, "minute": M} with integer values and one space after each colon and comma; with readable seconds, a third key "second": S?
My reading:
{"hour": 8, "minute": 26}
